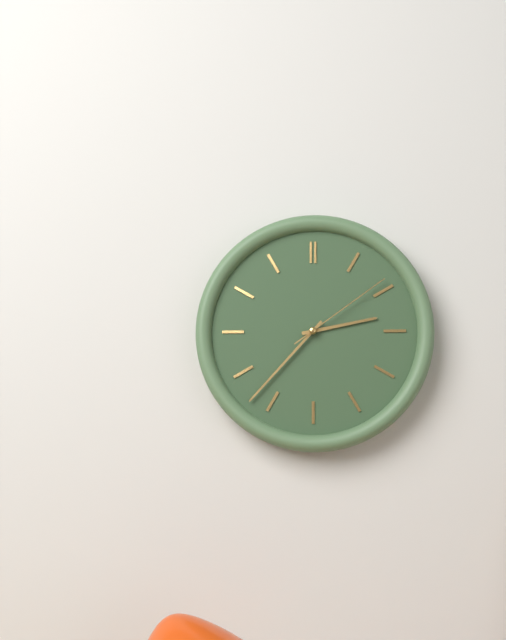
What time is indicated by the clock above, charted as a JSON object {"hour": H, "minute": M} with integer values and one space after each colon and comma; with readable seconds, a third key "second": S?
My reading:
{"hour": 2, "minute": 37, "second": 9}
